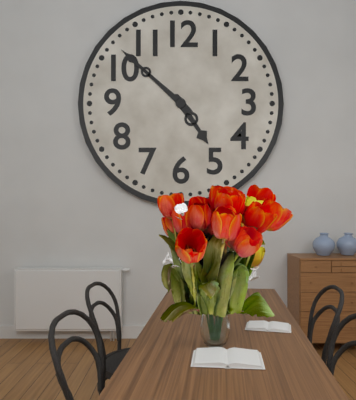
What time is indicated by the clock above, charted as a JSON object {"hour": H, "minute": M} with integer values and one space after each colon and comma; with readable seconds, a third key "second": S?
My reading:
{"hour": 4, "minute": 52}
